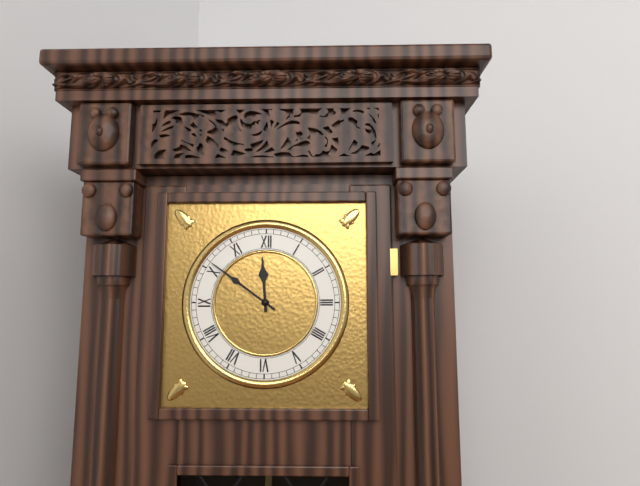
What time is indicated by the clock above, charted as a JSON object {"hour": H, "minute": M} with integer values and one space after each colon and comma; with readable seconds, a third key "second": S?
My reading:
{"hour": 11, "minute": 51}
